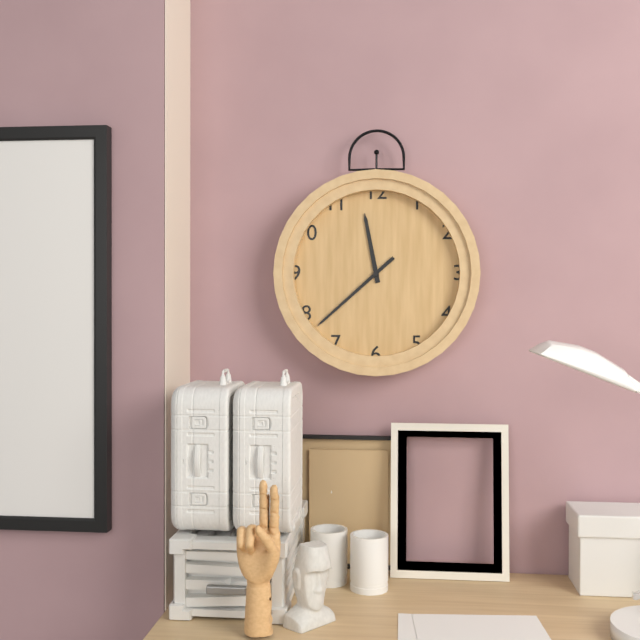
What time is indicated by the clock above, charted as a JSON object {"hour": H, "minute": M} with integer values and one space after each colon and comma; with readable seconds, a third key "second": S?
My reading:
{"hour": 11, "minute": 38}
